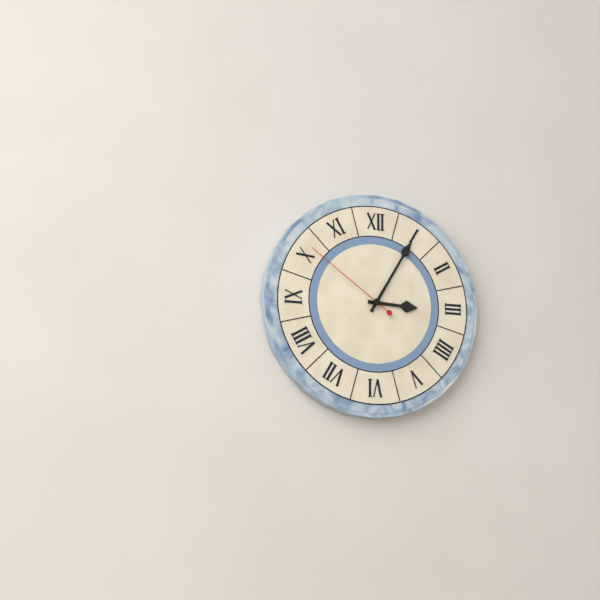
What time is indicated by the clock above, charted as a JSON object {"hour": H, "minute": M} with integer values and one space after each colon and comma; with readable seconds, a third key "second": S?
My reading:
{"hour": 3, "minute": 5, "second": 51}
